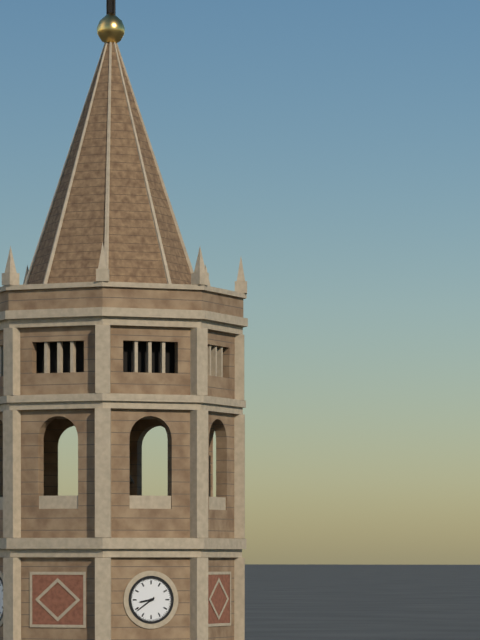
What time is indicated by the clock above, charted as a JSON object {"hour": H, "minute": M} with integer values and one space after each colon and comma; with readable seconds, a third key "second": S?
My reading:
{"hour": 8, "minute": 39}
